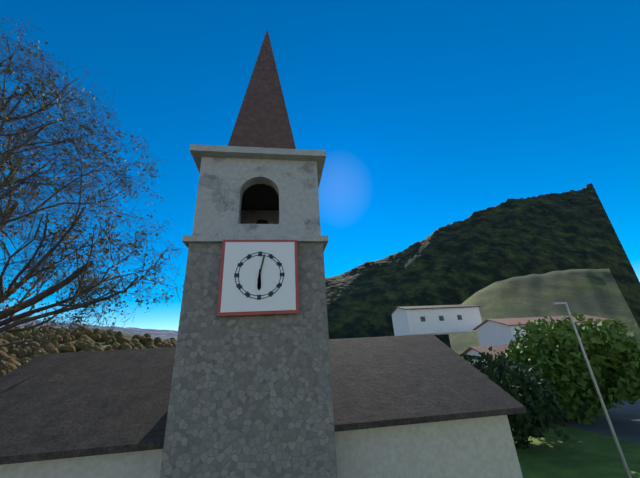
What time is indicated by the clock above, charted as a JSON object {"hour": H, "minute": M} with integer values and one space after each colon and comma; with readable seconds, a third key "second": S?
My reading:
{"hour": 6, "minute": 2}
